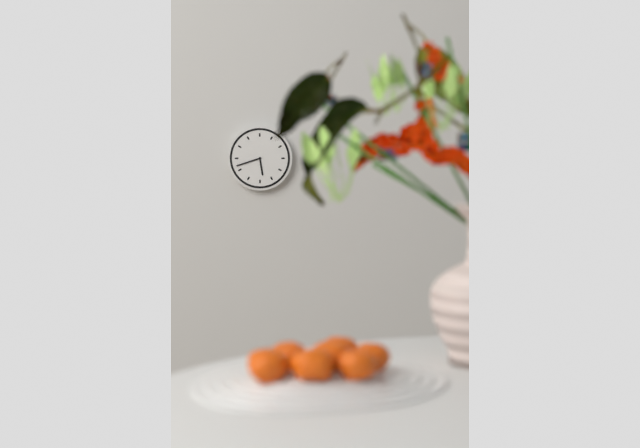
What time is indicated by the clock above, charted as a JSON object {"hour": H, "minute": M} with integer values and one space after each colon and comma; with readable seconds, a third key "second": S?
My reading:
{"hour": 5, "minute": 42}
